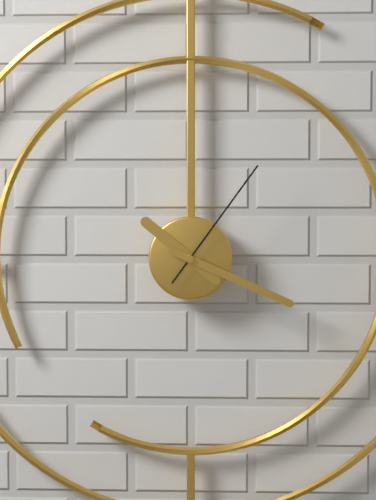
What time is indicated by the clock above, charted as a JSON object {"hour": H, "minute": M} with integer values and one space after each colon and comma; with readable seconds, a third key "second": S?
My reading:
{"hour": 10, "minute": 19, "second": 6}
